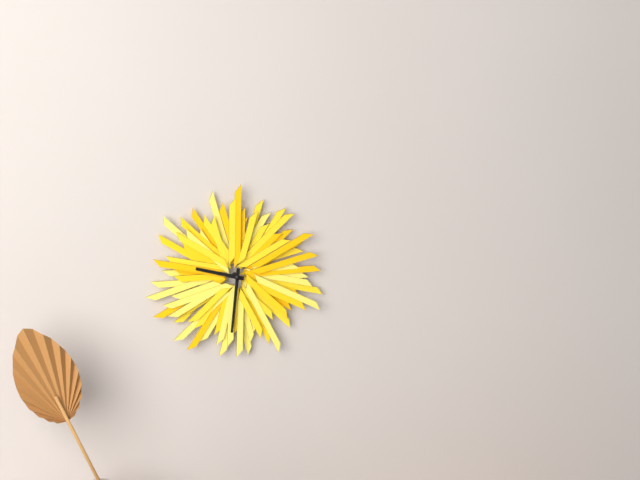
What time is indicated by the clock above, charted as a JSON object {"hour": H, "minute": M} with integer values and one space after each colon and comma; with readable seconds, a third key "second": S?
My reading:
{"hour": 9, "minute": 31}
